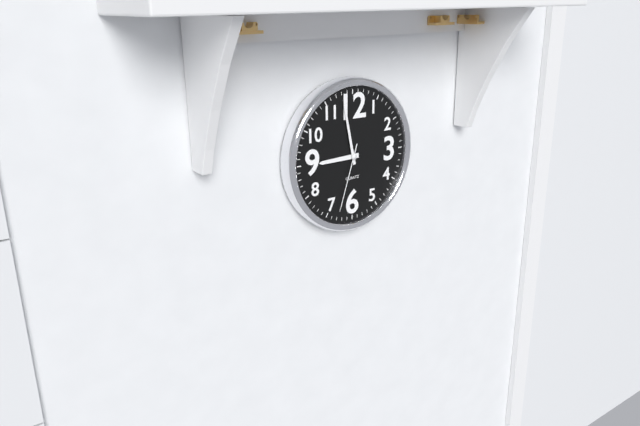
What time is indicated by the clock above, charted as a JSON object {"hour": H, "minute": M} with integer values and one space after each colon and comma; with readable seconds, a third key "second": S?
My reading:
{"hour": 8, "minute": 58, "second": 33}
